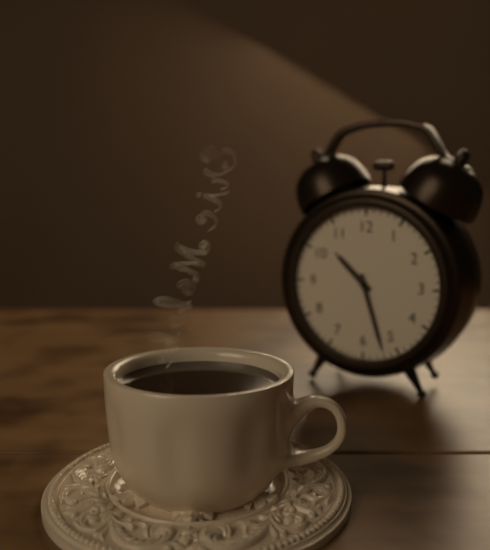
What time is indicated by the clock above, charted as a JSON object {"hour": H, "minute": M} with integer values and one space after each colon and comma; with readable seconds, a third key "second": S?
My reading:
{"hour": 10, "minute": 27}
